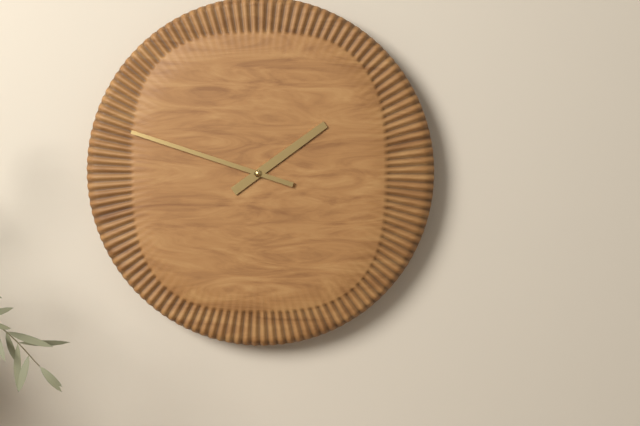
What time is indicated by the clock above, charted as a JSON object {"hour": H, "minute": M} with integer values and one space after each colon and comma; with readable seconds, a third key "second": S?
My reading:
{"hour": 1, "minute": 48}
